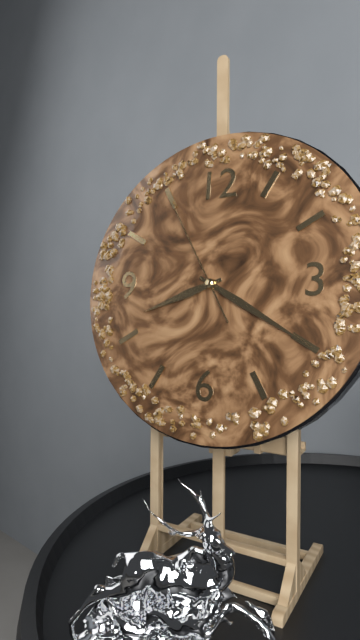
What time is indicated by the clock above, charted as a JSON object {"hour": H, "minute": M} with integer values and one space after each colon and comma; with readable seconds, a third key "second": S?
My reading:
{"hour": 8, "minute": 20, "second": 55}
